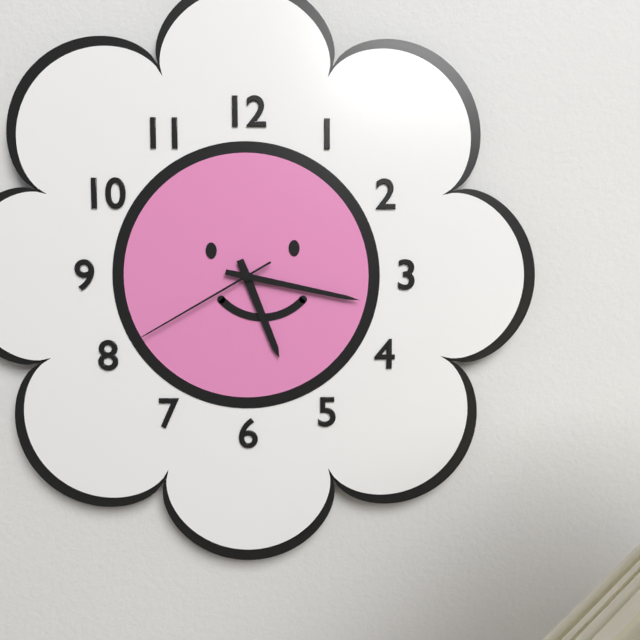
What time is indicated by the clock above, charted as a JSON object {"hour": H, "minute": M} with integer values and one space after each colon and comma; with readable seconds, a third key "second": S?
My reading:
{"hour": 5, "minute": 17, "second": 40}
